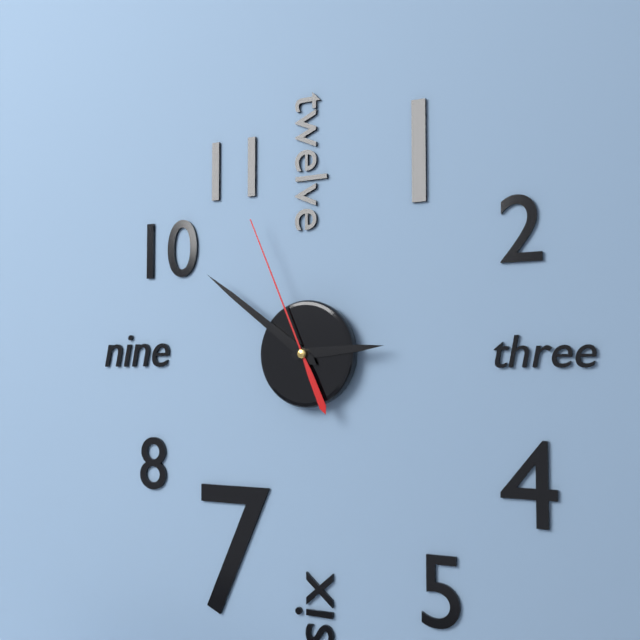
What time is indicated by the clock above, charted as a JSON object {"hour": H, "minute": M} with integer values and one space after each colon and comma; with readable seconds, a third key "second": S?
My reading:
{"hour": 2, "minute": 51, "second": 56}
